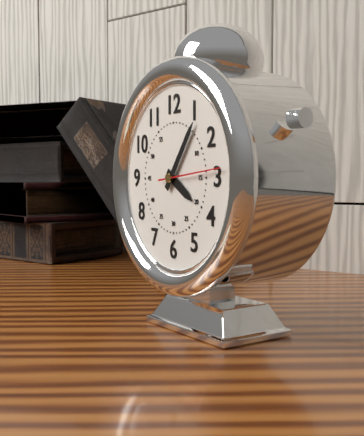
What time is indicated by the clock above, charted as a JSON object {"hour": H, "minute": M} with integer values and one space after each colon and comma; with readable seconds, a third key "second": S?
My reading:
{"hour": 4, "minute": 6, "second": 14}
